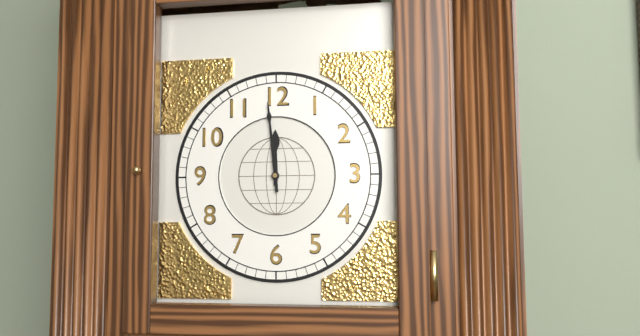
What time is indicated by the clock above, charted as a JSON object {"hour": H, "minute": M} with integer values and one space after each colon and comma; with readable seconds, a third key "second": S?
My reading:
{"hour": 11, "minute": 59}
